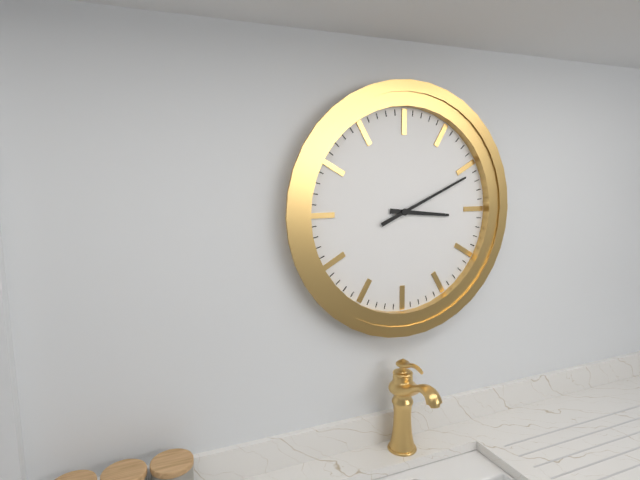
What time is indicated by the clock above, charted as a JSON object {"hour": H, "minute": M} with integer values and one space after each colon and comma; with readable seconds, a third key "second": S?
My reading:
{"hour": 3, "minute": 11}
